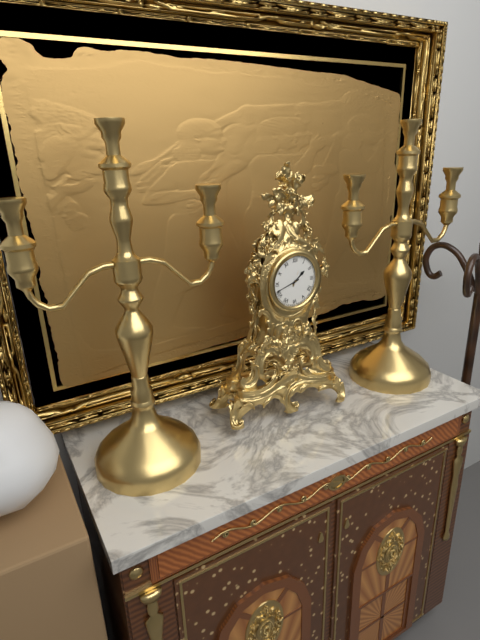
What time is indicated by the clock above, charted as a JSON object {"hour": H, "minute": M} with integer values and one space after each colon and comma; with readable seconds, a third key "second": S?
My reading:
{"hour": 1, "minute": 42}
